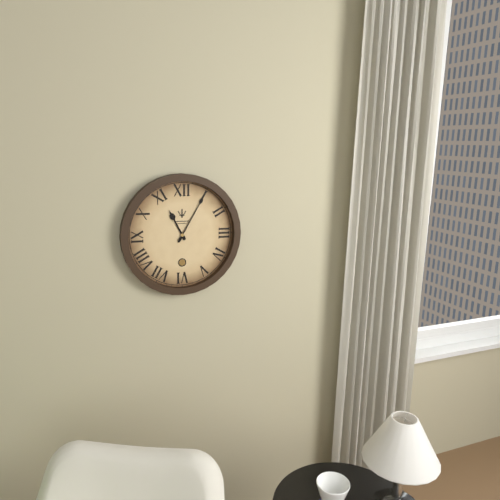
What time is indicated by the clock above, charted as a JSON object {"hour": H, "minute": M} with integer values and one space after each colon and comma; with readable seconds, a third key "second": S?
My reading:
{"hour": 11, "minute": 5}
